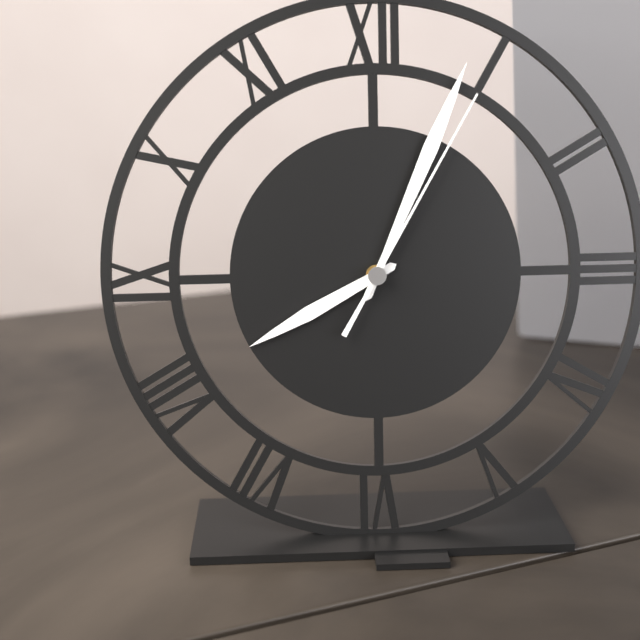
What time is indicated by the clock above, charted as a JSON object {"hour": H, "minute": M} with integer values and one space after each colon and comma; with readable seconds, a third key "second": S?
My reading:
{"hour": 8, "minute": 4, "second": 5}
